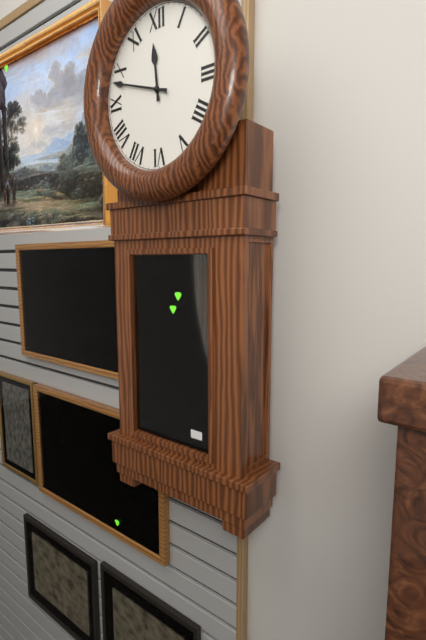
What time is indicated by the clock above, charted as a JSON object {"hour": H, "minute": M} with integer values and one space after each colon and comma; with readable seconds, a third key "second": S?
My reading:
{"hour": 11, "minute": 48}
